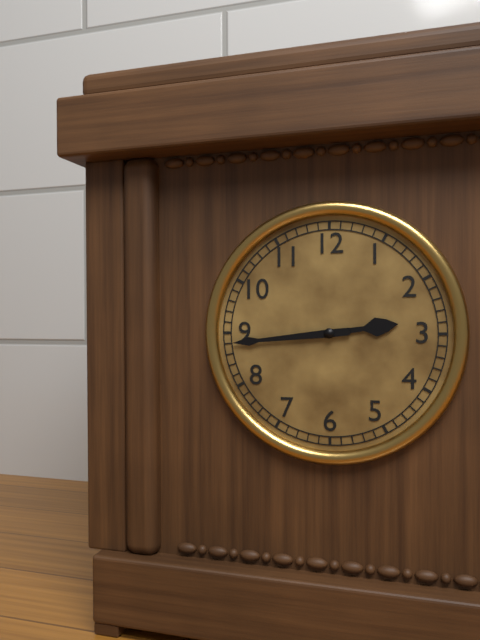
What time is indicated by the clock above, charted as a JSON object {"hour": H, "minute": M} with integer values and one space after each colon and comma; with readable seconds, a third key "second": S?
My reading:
{"hour": 2, "minute": 44}
